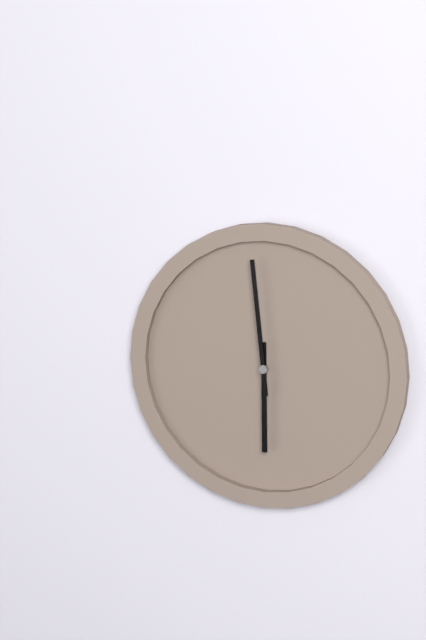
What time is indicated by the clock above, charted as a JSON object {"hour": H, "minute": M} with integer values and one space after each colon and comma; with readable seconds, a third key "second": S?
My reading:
{"hour": 5, "minute": 59}
